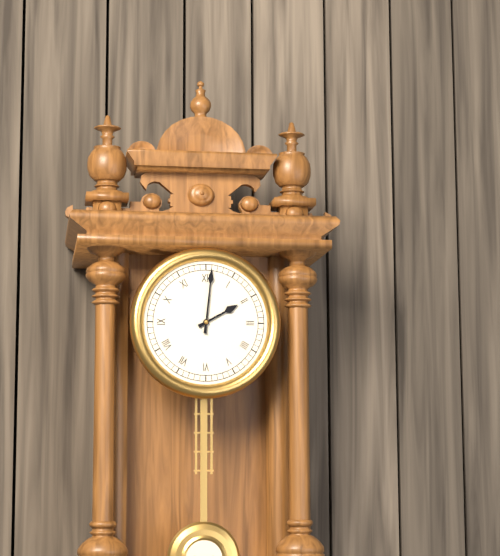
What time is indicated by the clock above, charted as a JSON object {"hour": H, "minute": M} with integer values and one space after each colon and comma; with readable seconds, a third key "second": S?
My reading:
{"hour": 2, "minute": 1}
